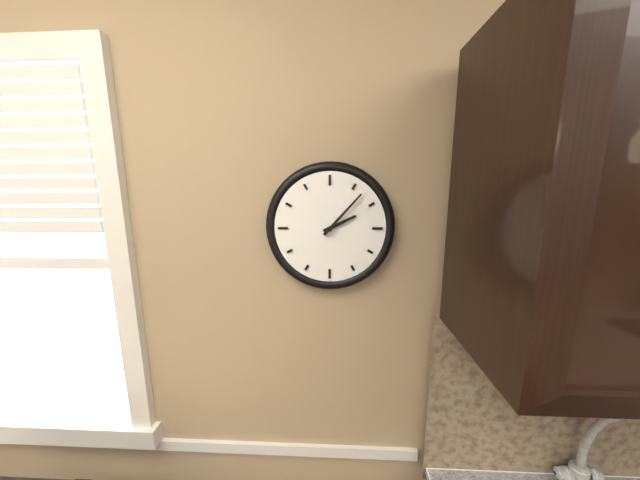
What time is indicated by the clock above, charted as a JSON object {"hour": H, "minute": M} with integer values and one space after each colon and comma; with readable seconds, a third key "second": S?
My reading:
{"hour": 2, "minute": 7}
